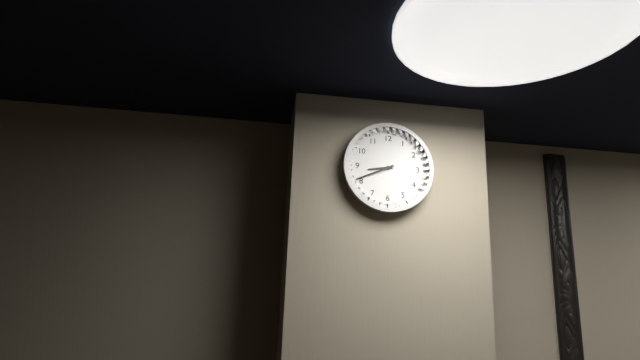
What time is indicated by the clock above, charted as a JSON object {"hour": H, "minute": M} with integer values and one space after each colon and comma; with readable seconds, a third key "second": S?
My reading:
{"hour": 8, "minute": 41}
